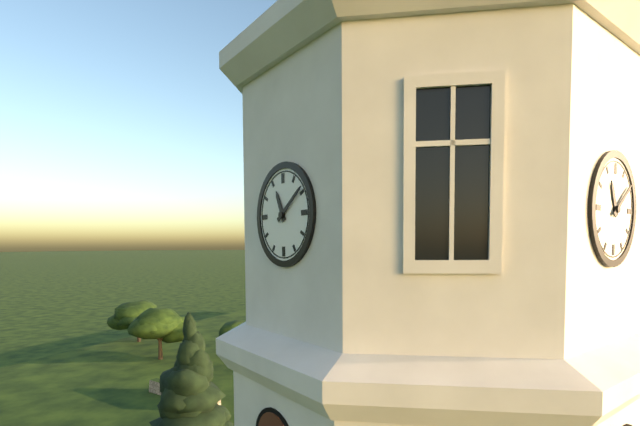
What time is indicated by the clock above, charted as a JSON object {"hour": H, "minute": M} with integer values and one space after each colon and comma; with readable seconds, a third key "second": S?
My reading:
{"hour": 11, "minute": 9}
